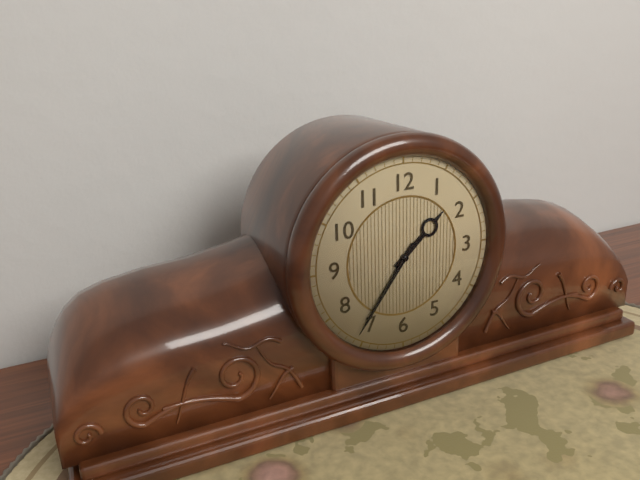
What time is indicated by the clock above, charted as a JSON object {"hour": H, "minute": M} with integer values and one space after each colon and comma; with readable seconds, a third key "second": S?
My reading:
{"hour": 1, "minute": 36}
